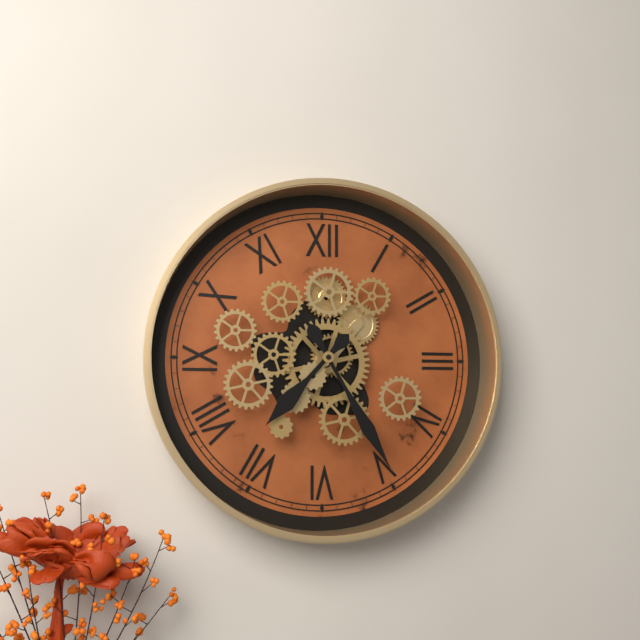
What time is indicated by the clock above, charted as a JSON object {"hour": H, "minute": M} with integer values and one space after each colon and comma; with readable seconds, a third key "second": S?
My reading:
{"hour": 7, "minute": 25}
